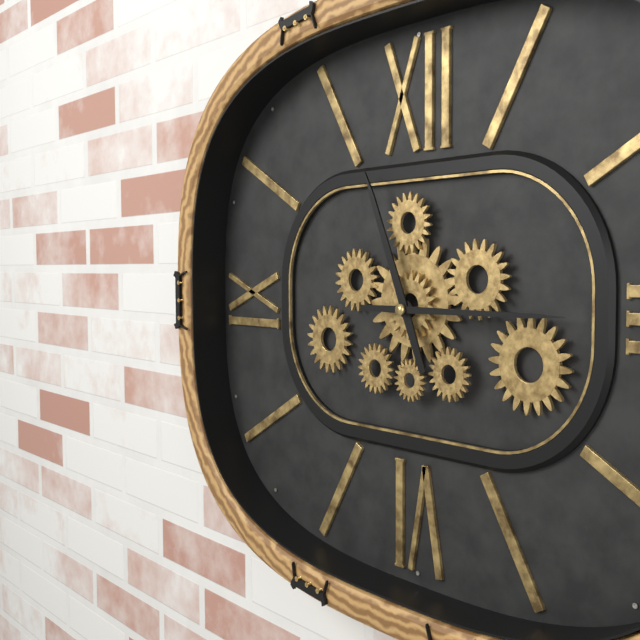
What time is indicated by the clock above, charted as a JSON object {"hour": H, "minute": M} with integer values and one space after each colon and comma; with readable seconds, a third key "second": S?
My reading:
{"hour": 11, "minute": 15}
